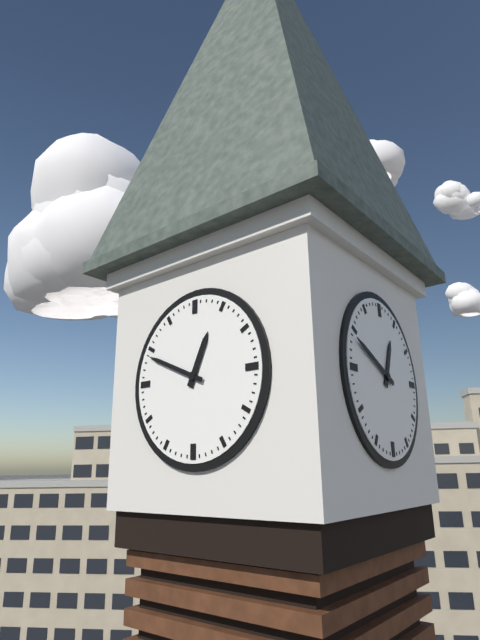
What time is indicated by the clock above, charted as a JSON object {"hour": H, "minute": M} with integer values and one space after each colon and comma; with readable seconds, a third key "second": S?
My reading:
{"hour": 12, "minute": 49}
